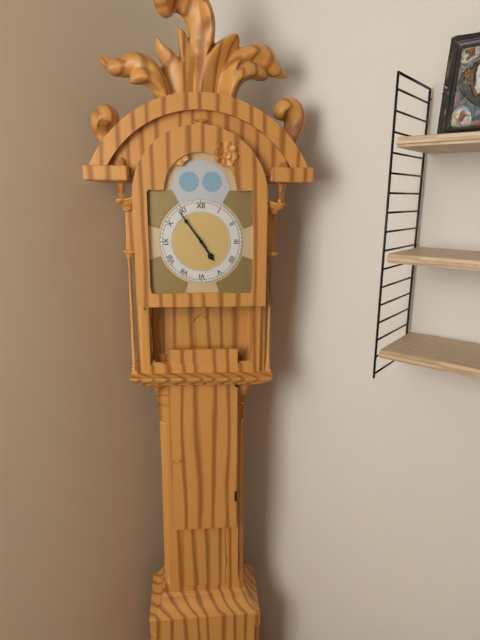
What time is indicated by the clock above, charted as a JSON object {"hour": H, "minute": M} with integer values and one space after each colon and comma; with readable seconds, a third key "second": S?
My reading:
{"hour": 4, "minute": 54}
